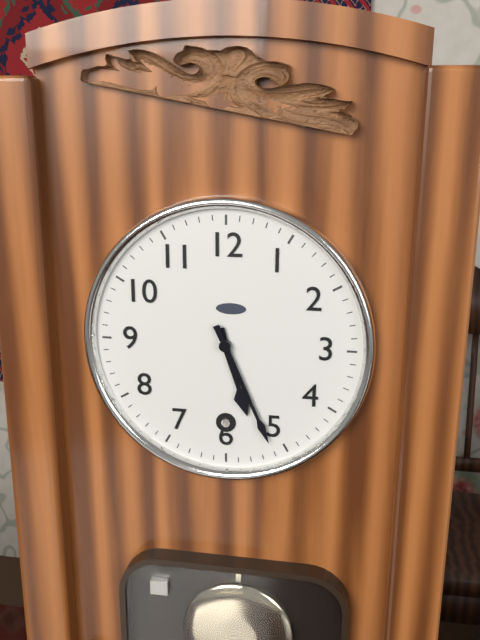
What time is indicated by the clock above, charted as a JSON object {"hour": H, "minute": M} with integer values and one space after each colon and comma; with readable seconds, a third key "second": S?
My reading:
{"hour": 5, "minute": 26}
